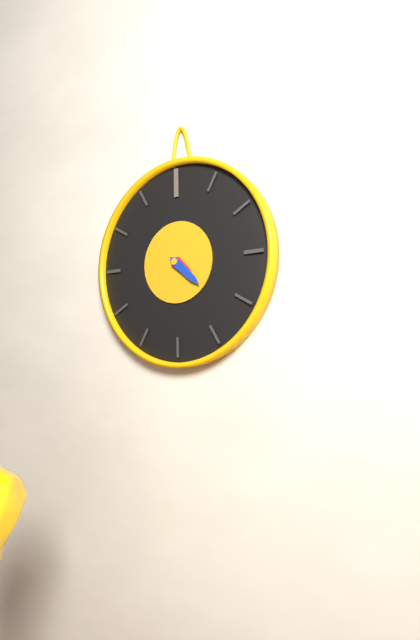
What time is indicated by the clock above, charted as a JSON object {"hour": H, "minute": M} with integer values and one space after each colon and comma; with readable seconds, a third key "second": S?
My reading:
{"hour": 4, "minute": 22}
